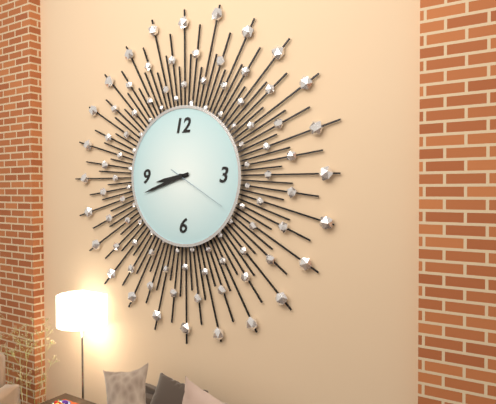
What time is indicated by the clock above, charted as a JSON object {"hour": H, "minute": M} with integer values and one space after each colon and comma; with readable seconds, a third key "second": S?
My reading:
{"hour": 8, "minute": 42, "second": 20}
